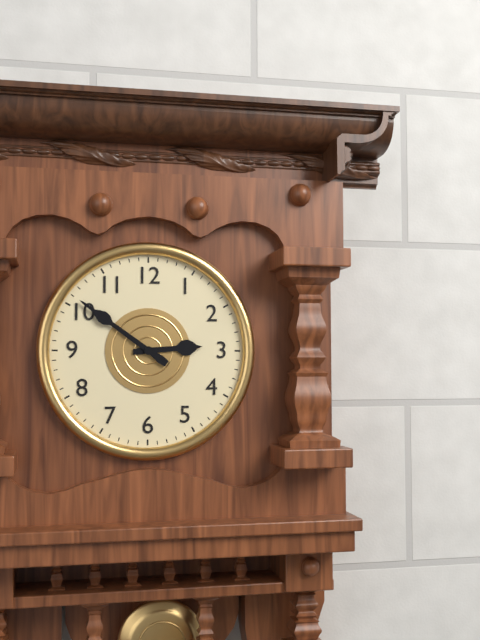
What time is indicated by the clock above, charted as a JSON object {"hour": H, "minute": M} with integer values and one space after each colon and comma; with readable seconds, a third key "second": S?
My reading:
{"hour": 2, "minute": 51}
